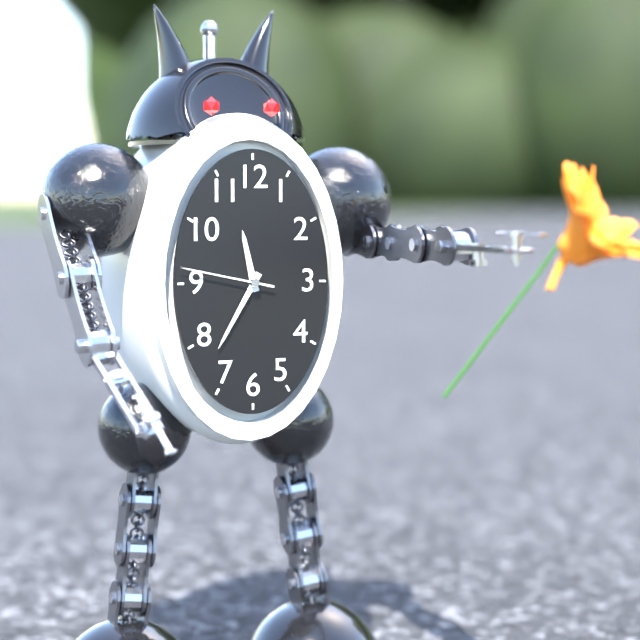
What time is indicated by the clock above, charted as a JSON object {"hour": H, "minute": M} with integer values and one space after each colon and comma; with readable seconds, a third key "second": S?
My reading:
{"hour": 11, "minute": 35, "second": 47}
